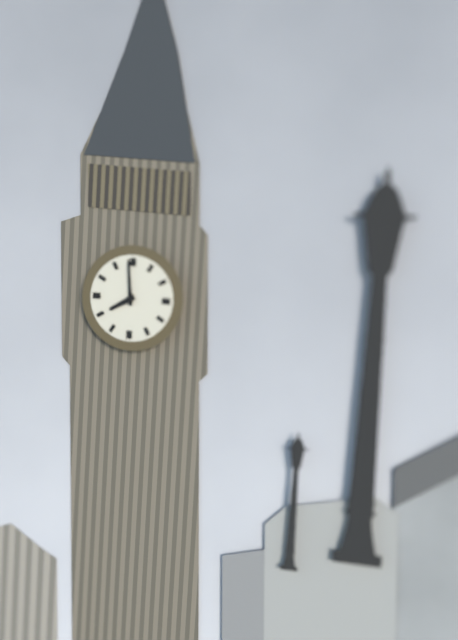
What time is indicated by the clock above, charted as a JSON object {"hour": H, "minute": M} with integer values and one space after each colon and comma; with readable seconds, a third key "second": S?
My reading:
{"hour": 7, "minute": 59}
